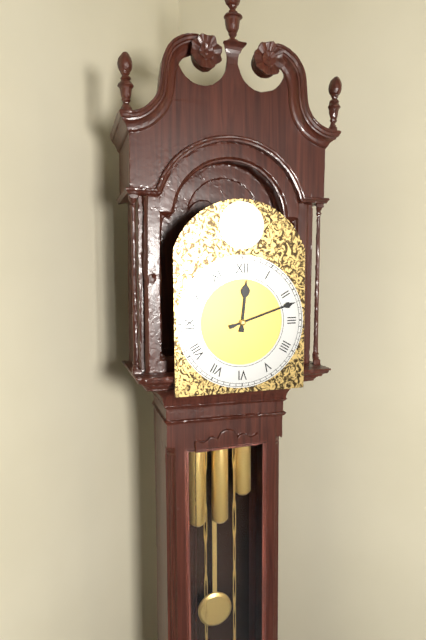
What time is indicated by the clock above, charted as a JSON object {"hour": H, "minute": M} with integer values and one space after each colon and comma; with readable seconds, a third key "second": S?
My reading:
{"hour": 12, "minute": 12}
